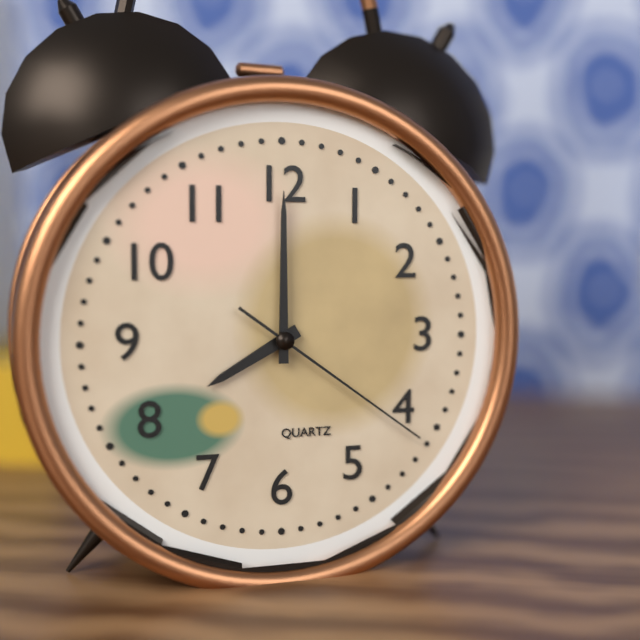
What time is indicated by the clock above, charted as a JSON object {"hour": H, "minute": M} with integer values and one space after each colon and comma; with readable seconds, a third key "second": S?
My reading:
{"hour": 8, "minute": 0, "second": 21}
